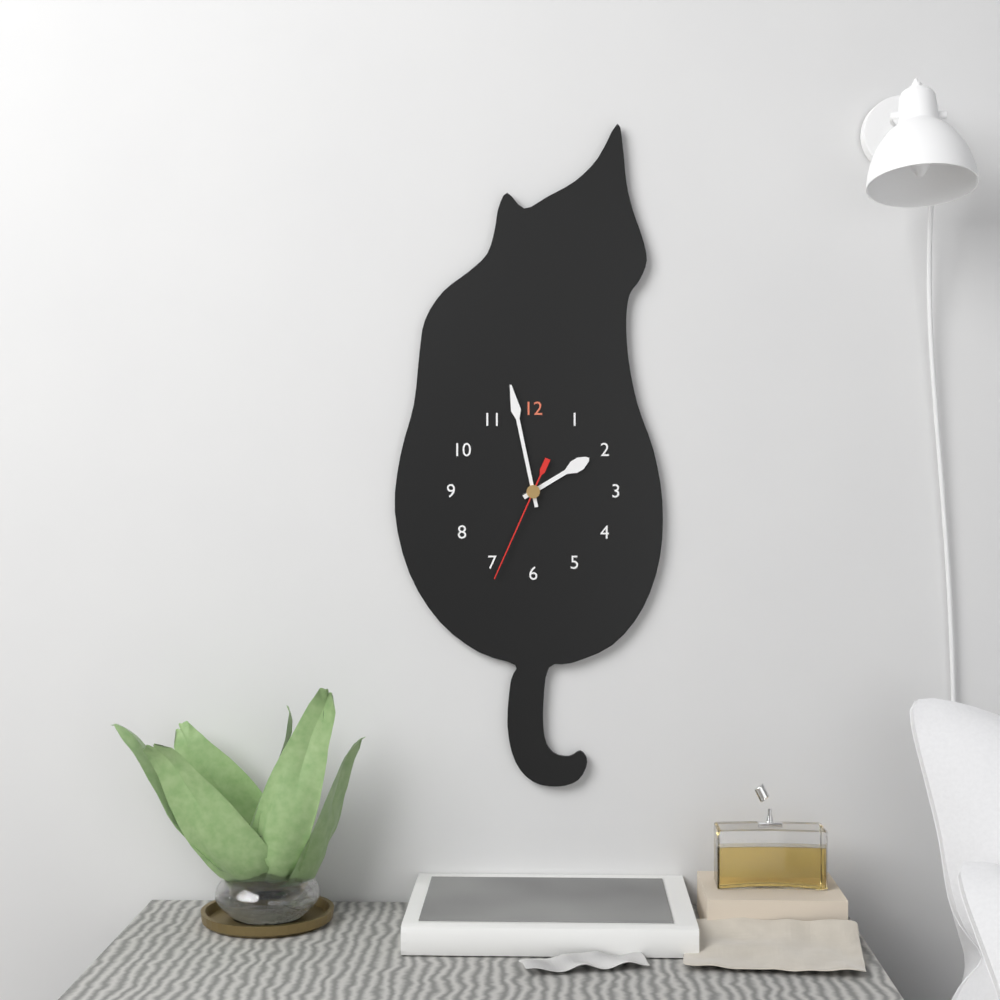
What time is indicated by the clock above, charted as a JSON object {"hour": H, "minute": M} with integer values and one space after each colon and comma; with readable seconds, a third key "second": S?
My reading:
{"hour": 1, "minute": 58, "second": 34}
